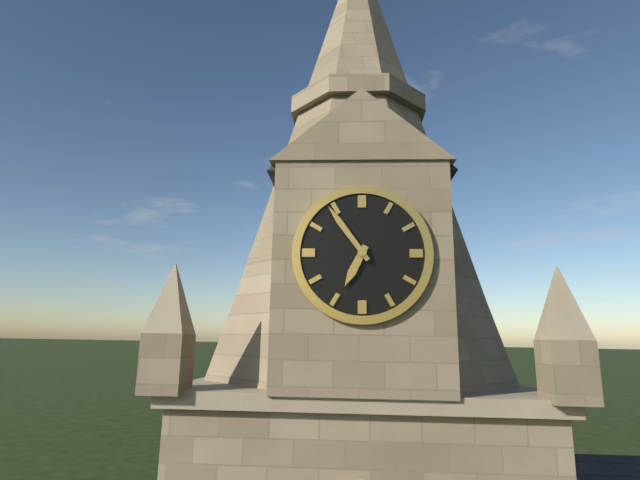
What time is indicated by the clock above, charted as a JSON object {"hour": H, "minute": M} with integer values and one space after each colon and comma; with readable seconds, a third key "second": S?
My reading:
{"hour": 6, "minute": 54}
